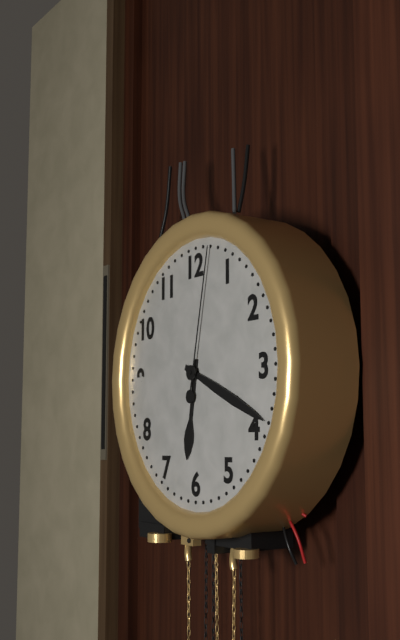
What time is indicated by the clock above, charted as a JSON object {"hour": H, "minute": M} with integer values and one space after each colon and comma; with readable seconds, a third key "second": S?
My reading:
{"hour": 6, "minute": 19, "second": 2}
